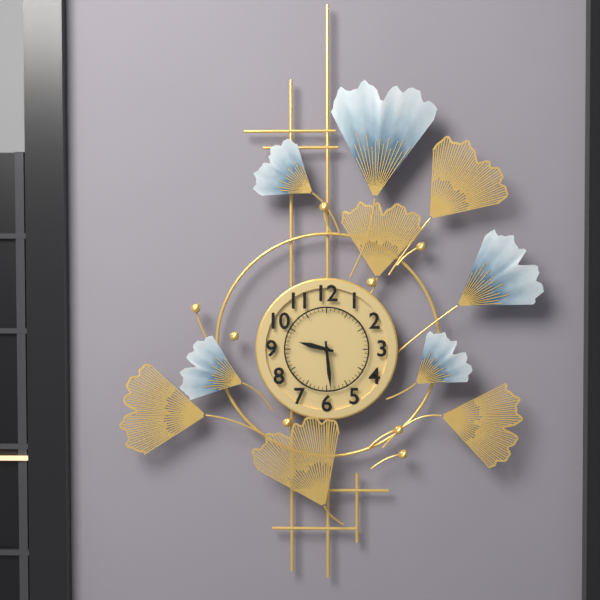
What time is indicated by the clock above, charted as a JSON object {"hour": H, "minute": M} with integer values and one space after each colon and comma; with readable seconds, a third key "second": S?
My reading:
{"hour": 9, "minute": 29}
